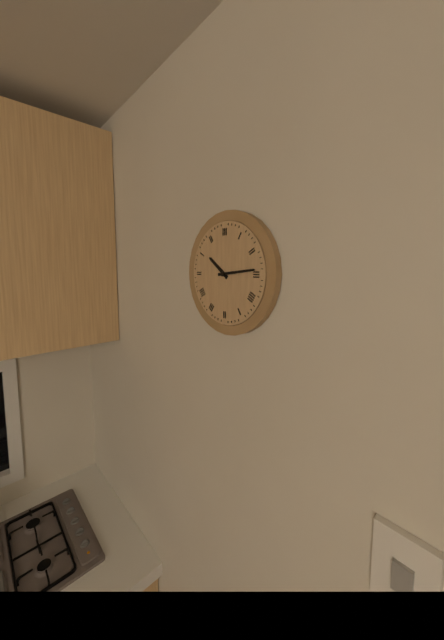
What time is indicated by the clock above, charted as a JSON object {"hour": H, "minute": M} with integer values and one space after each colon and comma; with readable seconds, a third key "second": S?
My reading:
{"hour": 10, "minute": 14}
